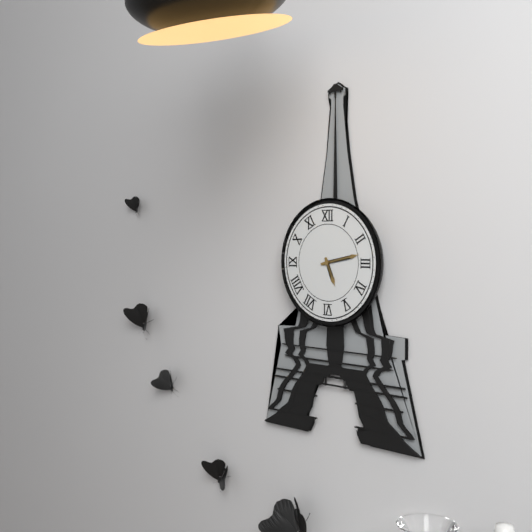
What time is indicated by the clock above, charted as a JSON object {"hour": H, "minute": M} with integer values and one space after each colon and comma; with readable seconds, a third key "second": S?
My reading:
{"hour": 5, "minute": 13}
